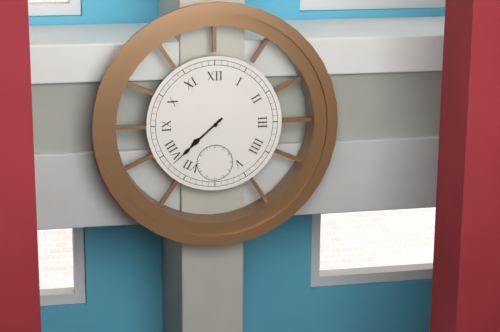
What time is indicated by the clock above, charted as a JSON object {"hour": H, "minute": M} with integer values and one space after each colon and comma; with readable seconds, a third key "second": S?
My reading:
{"hour": 7, "minute": 38}
